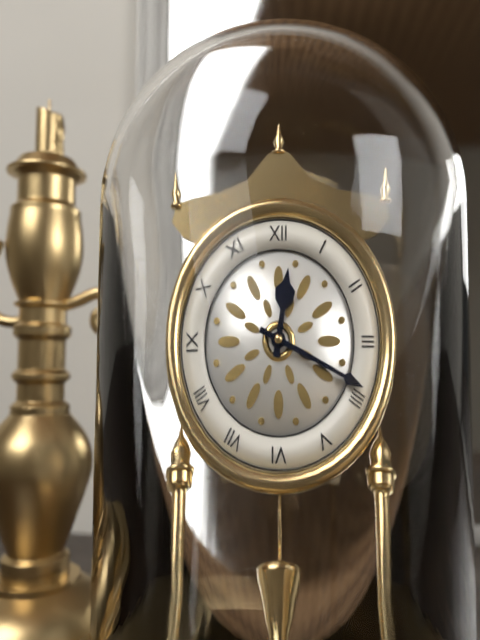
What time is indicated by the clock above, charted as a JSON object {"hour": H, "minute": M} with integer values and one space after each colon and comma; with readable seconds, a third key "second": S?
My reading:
{"hour": 12, "minute": 19}
